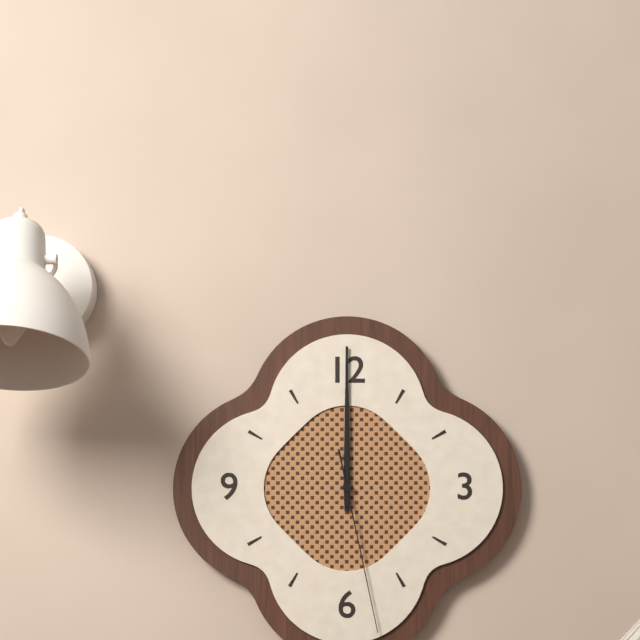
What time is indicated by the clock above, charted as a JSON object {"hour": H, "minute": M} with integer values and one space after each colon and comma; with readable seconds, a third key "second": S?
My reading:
{"hour": 12, "minute": 0, "second": 28}
